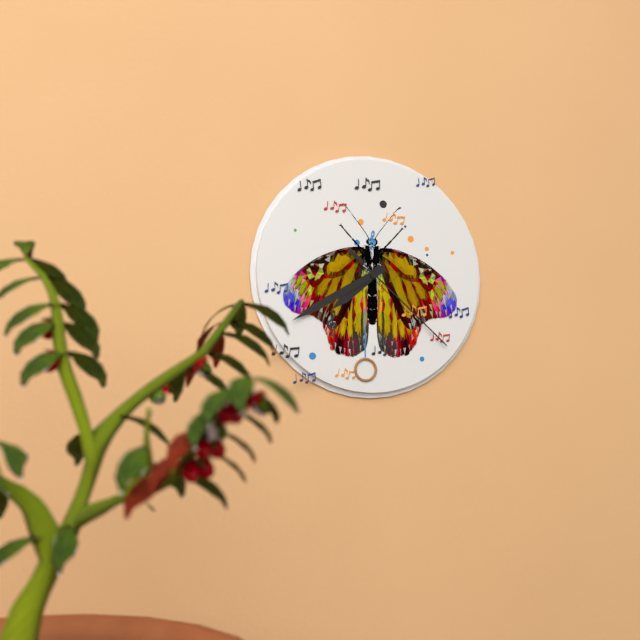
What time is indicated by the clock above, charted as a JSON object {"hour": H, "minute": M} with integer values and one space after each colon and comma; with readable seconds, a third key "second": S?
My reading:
{"hour": 7, "minute": 40, "second": 22}
